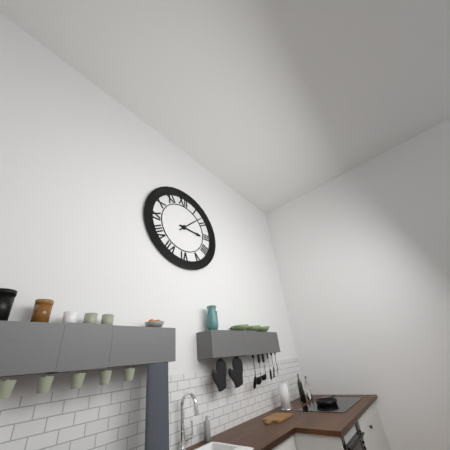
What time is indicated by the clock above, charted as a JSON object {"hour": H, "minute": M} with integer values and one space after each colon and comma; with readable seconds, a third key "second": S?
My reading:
{"hour": 3, "minute": 8}
